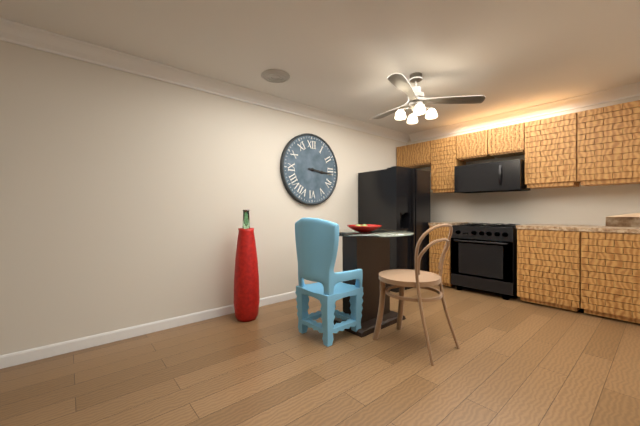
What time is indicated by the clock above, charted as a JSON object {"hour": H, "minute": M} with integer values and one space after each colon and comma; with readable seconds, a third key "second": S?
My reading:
{"hour": 3, "minute": 16}
